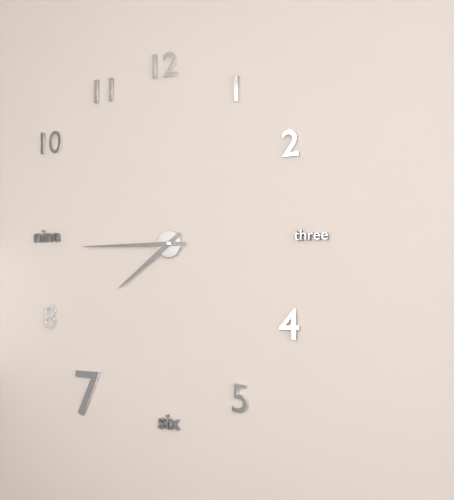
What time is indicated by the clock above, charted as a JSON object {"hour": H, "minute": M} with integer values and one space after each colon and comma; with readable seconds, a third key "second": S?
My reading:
{"hour": 7, "minute": 45}
